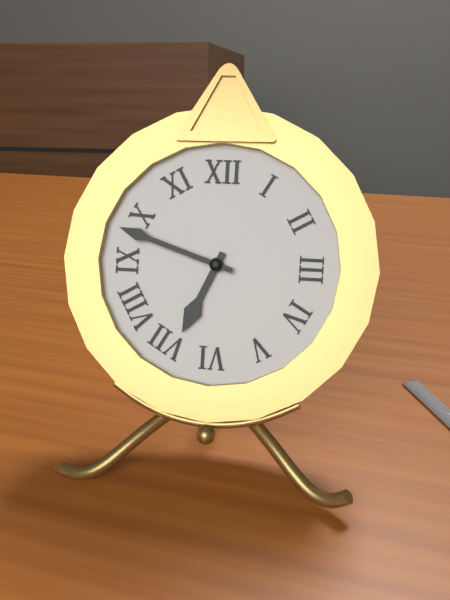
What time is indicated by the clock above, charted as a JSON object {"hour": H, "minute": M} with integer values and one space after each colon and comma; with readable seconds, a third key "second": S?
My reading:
{"hour": 6, "minute": 48}
